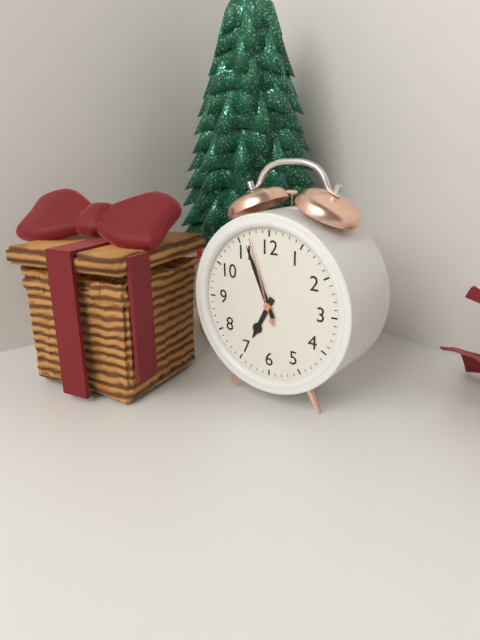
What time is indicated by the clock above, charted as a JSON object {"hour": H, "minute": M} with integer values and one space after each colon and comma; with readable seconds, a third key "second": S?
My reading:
{"hour": 6, "minute": 56, "second": 57}
